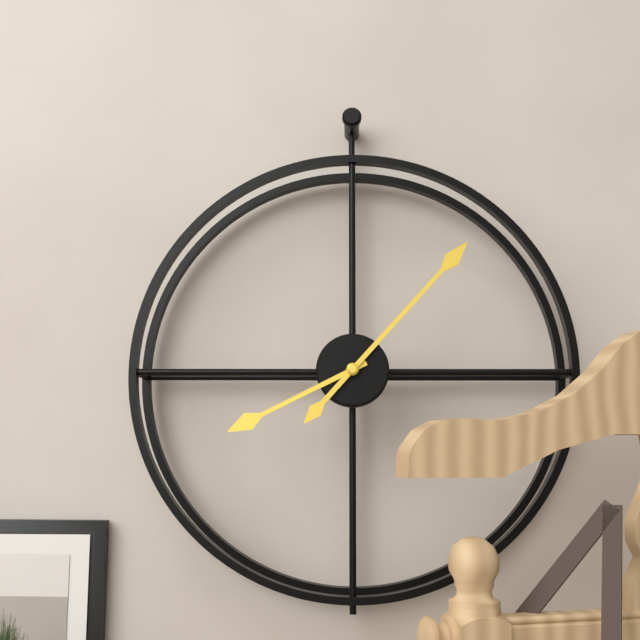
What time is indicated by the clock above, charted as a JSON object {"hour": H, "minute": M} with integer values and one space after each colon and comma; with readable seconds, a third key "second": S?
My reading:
{"hour": 8, "minute": 7}
